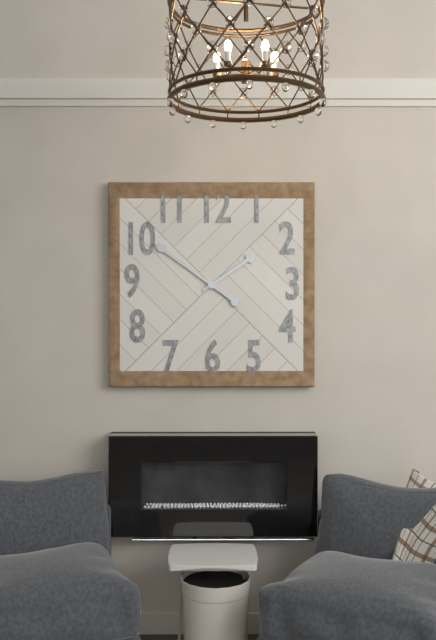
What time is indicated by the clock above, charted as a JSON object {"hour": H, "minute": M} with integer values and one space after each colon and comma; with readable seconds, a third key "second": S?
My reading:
{"hour": 1, "minute": 51}
